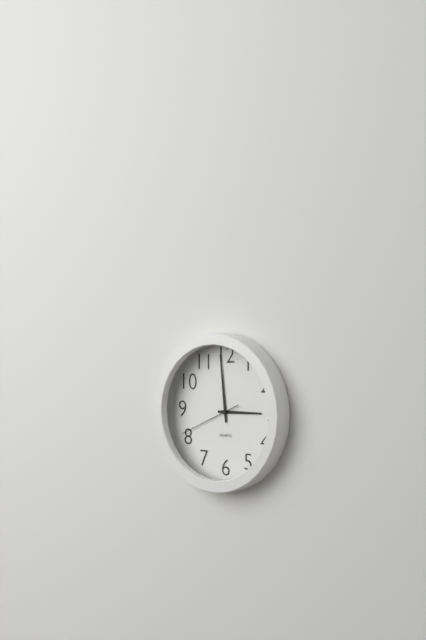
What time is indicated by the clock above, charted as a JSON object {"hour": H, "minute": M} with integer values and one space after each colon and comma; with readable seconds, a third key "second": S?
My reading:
{"hour": 2, "minute": 59, "second": 41}
